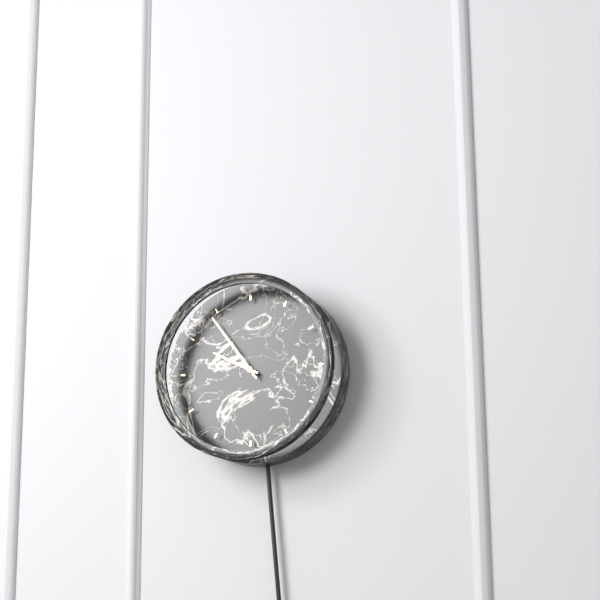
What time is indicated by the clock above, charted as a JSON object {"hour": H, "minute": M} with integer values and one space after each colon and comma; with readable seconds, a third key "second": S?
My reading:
{"hour": 9, "minute": 54}
